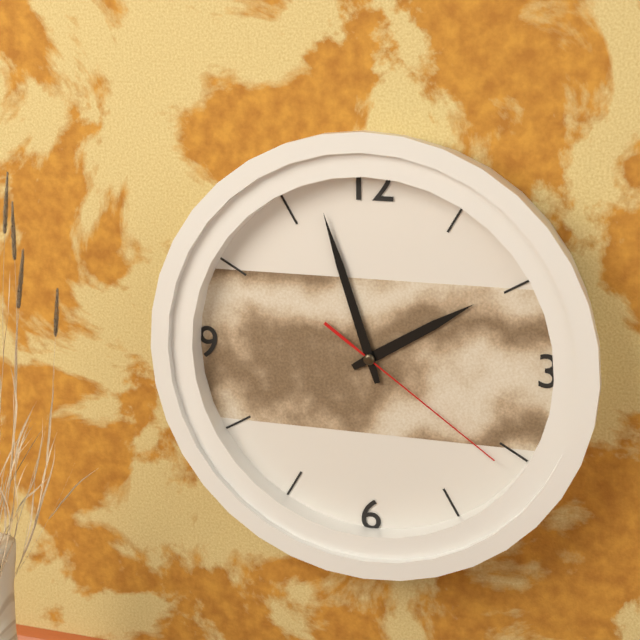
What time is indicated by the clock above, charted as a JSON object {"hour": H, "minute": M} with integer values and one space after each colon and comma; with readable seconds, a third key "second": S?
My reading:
{"hour": 1, "minute": 57, "second": 21}
